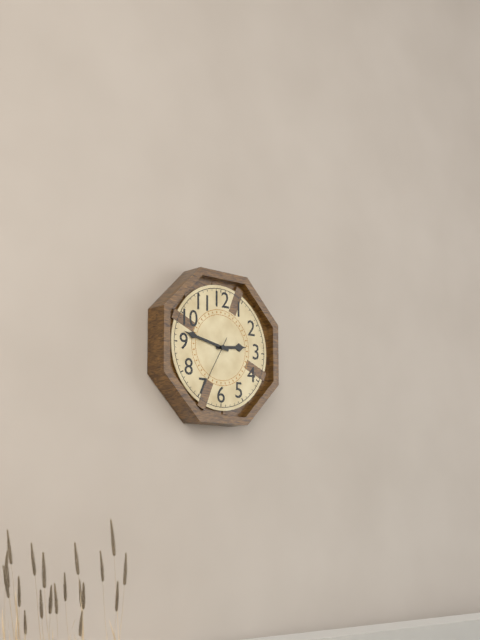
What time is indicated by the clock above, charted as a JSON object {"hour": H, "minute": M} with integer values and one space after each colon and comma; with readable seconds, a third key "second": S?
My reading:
{"hour": 2, "minute": 47, "second": 35}
